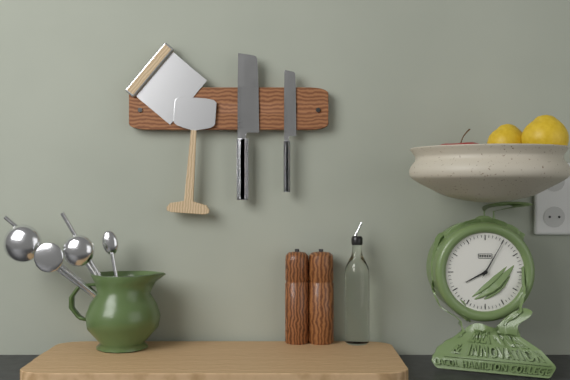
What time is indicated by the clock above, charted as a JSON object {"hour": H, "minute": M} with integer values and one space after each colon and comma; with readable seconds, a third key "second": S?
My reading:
{"hour": 8, "minute": 5}
